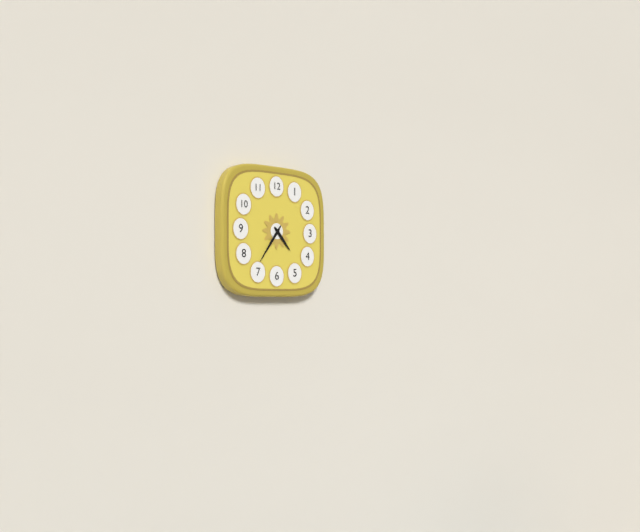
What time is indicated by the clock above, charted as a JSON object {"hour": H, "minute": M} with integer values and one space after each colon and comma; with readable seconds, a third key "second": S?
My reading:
{"hour": 4, "minute": 36}
